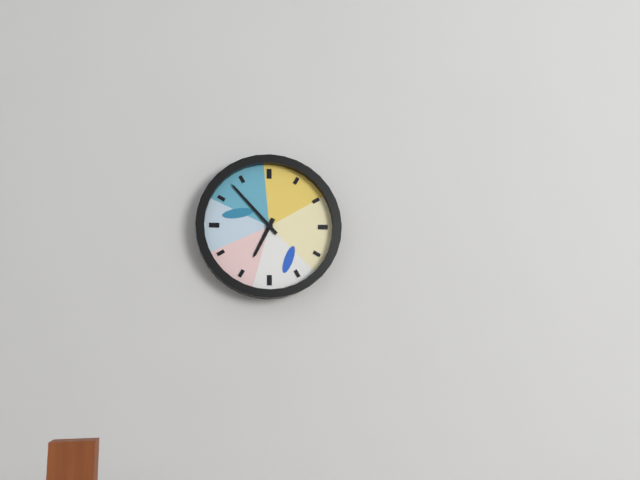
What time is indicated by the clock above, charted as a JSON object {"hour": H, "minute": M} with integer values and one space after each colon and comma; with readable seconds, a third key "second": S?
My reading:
{"hour": 6, "minute": 53}
